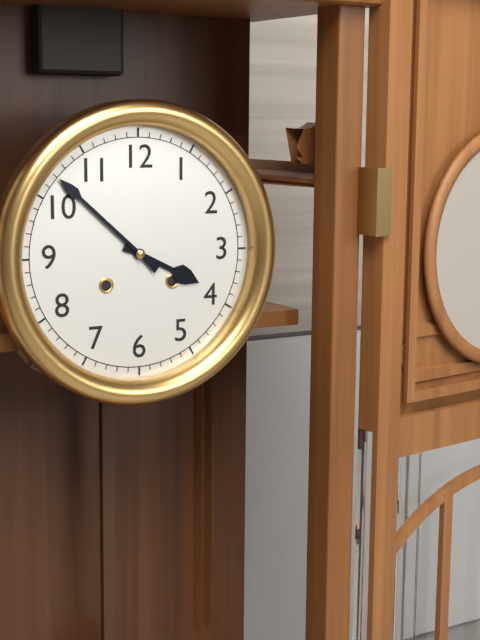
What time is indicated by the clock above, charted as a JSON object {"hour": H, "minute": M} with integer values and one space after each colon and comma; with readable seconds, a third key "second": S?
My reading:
{"hour": 3, "minute": 52}
